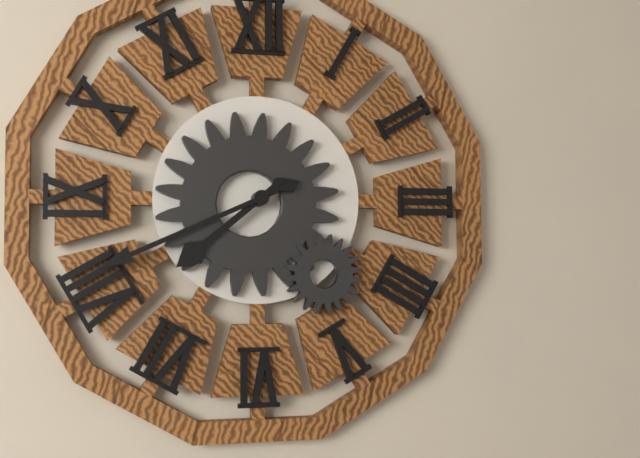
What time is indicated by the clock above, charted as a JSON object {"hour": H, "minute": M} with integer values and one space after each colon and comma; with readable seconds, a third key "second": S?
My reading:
{"hour": 7, "minute": 41}
